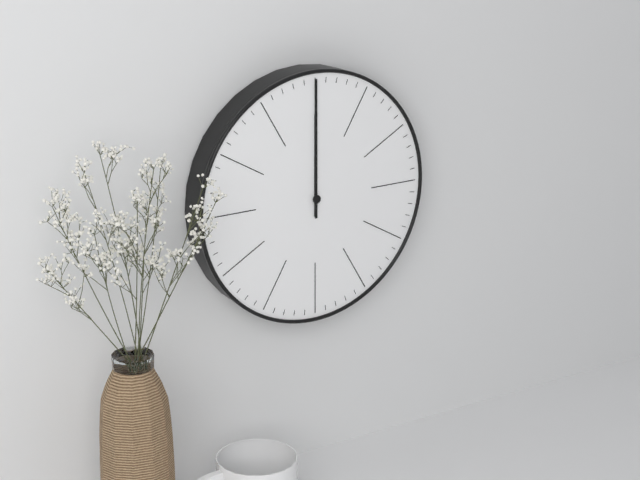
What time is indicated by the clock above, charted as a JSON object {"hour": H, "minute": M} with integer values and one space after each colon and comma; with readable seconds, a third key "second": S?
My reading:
{"hour": 12, "minute": 0}
